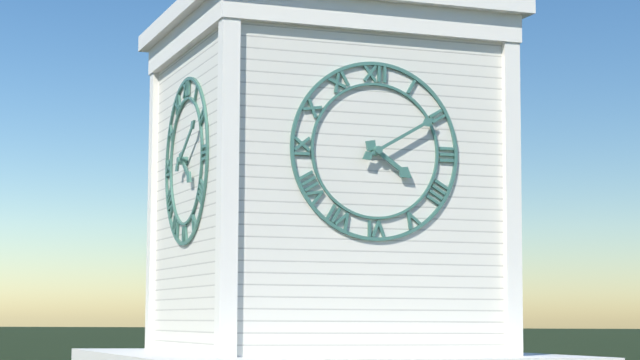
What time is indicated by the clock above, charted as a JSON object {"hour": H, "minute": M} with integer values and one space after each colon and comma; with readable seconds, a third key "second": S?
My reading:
{"hour": 4, "minute": 10}
